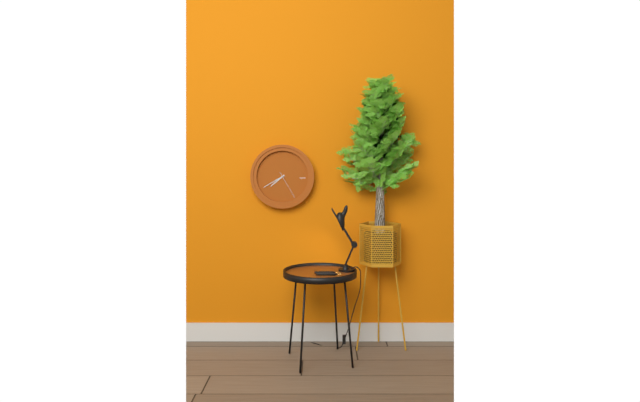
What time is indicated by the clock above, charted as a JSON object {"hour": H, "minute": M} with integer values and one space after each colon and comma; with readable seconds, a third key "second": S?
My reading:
{"hour": 7, "minute": 40}
